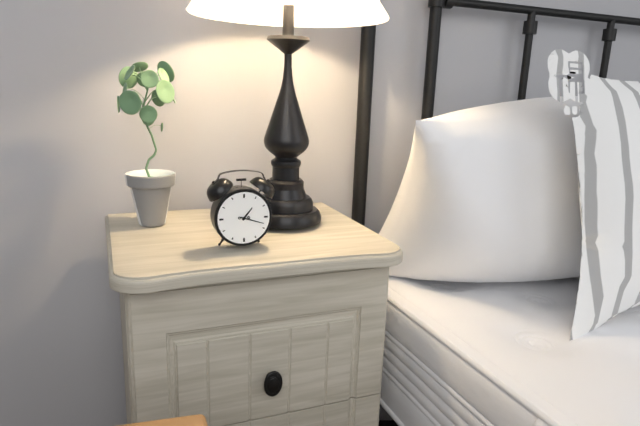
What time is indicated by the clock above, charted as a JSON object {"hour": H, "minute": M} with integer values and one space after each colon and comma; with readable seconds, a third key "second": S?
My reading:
{"hour": 1, "minute": 18}
